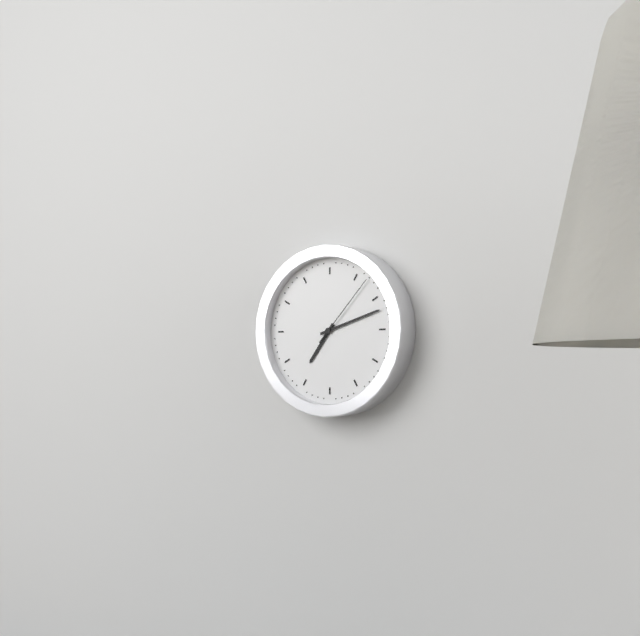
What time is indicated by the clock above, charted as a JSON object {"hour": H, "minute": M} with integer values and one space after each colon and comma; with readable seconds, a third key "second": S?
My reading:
{"hour": 7, "minute": 12, "second": 7}
